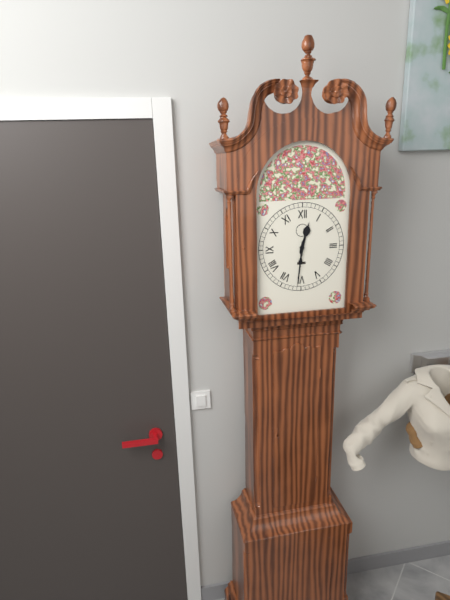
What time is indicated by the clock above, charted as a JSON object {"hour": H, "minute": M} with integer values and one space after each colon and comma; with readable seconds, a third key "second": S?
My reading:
{"hour": 12, "minute": 31}
